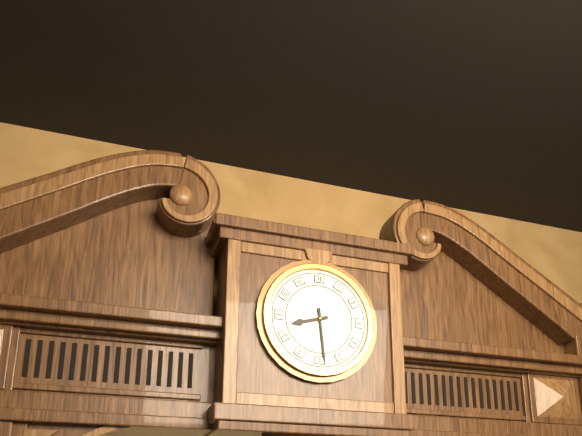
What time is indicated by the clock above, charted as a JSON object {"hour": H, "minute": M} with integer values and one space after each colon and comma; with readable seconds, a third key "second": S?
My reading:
{"hour": 8, "minute": 29}
